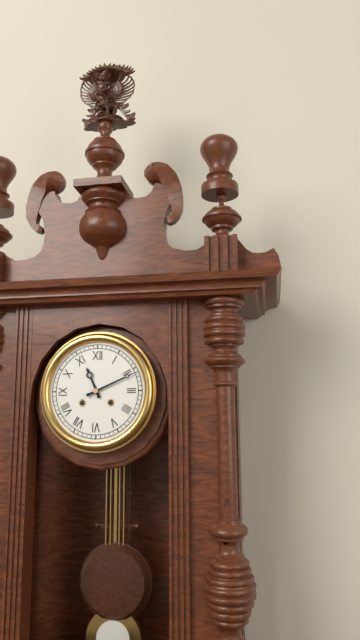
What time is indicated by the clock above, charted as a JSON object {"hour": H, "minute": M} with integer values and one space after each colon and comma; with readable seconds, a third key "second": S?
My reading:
{"hour": 11, "minute": 11}
